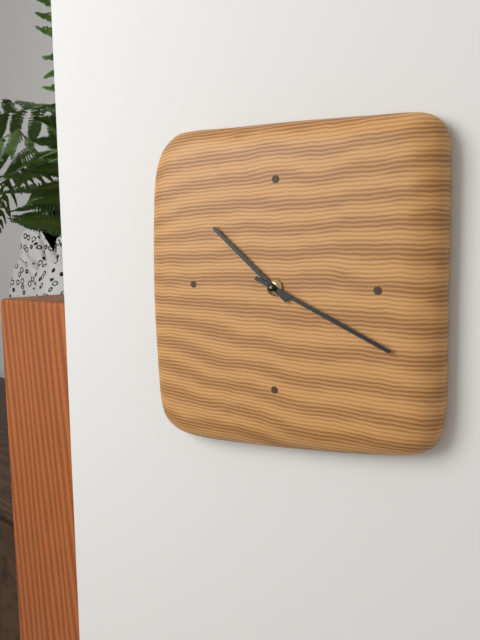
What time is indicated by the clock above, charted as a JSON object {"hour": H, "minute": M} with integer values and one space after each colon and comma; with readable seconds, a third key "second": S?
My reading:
{"hour": 10, "minute": 19}
